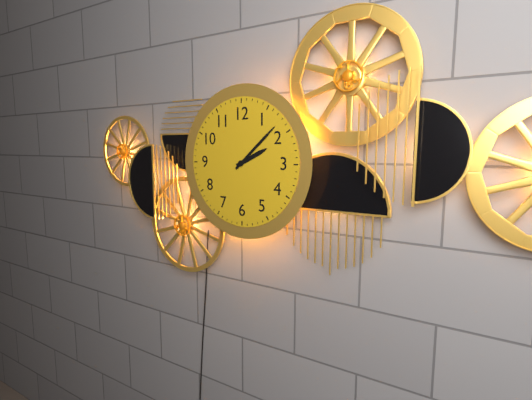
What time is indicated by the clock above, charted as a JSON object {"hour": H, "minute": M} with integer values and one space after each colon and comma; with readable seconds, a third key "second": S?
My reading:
{"hour": 2, "minute": 8}
